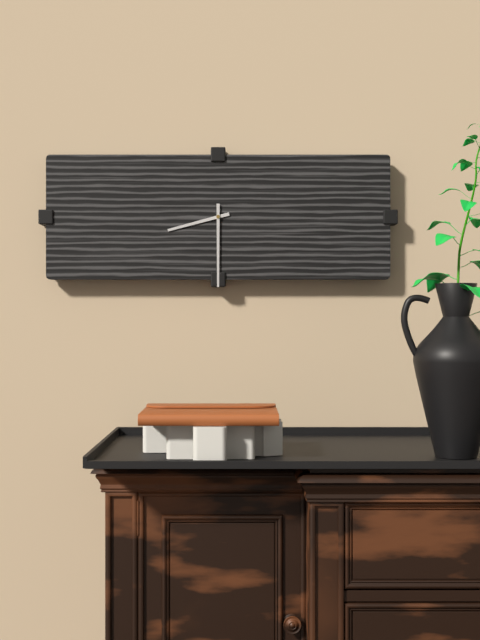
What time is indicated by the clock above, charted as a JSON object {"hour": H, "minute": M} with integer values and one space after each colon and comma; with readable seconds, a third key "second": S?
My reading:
{"hour": 8, "minute": 30}
